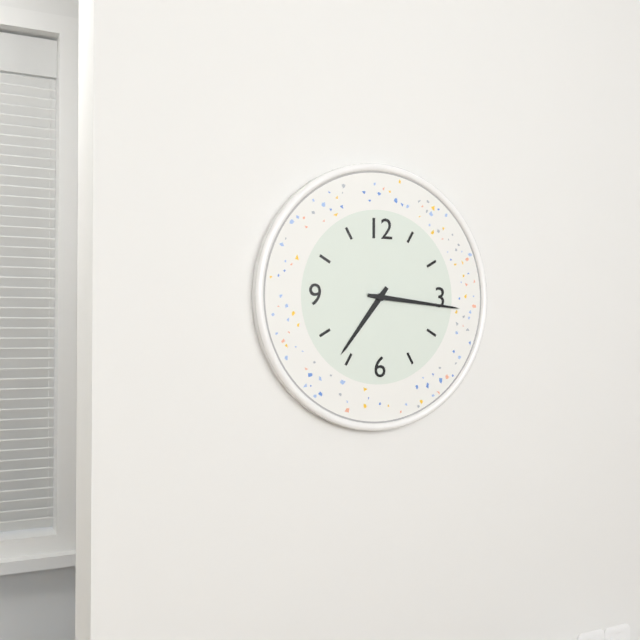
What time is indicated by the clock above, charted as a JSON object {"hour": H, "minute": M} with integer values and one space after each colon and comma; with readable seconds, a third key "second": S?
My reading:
{"hour": 7, "minute": 16}
